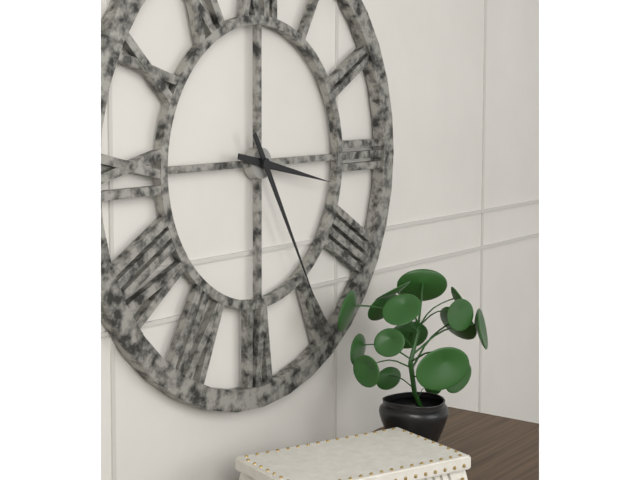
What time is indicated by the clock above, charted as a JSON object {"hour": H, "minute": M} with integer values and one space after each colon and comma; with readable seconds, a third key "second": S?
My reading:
{"hour": 3, "minute": 25}
